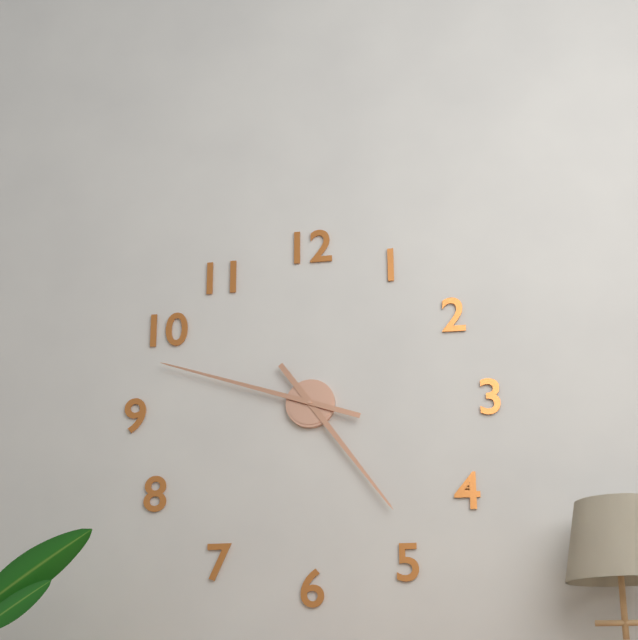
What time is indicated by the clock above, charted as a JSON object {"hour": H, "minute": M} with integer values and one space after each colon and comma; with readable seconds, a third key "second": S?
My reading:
{"hour": 4, "minute": 48}
